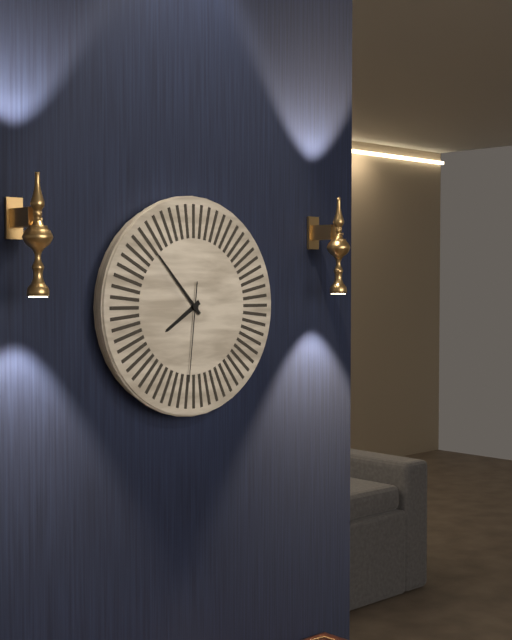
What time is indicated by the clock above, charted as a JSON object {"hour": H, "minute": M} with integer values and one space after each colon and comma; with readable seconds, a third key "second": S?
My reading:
{"hour": 7, "minute": 53, "second": 31}
